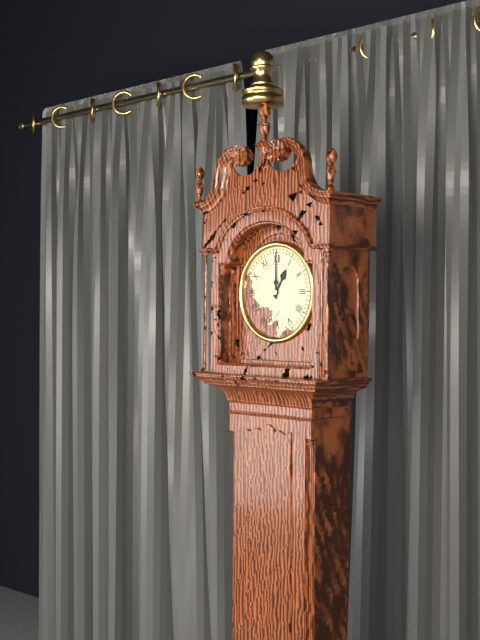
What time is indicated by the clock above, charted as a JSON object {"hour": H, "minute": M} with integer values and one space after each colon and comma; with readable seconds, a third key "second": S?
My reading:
{"hour": 1, "minute": 0}
